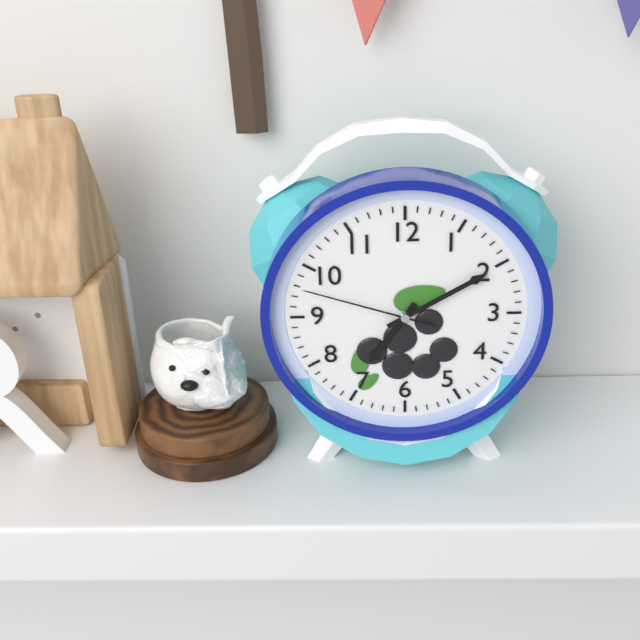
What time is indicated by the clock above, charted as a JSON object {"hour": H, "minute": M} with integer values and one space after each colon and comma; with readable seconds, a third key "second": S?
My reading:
{"hour": 7, "minute": 10, "second": 48}
